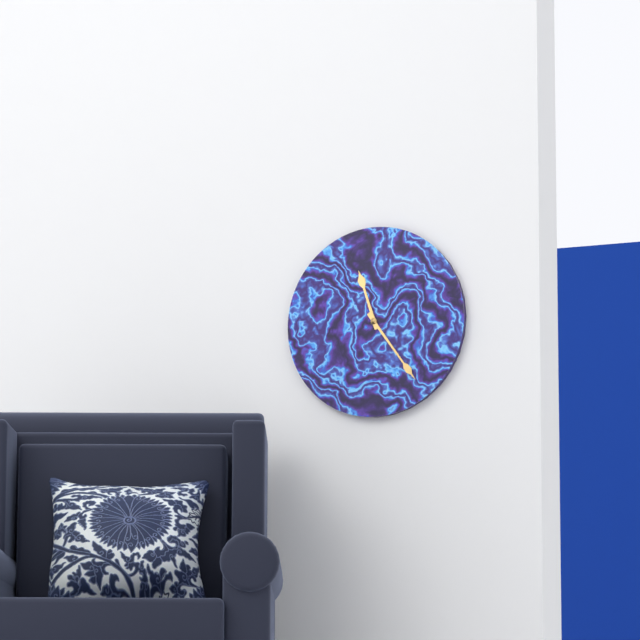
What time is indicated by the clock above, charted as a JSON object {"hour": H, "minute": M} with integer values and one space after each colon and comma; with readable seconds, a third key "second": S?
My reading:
{"hour": 11, "minute": 24}
